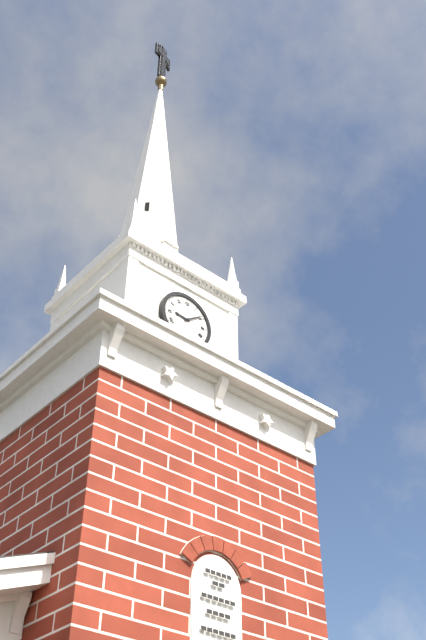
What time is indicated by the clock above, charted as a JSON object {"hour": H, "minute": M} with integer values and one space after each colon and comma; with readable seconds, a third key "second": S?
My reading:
{"hour": 9, "minute": 9}
